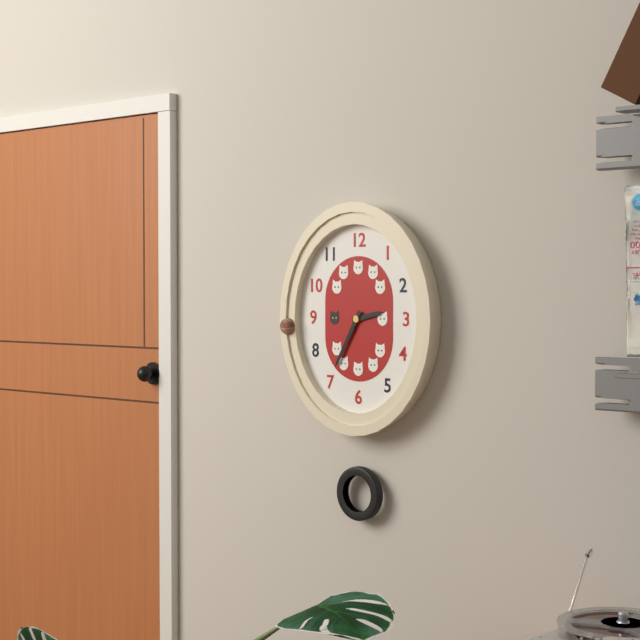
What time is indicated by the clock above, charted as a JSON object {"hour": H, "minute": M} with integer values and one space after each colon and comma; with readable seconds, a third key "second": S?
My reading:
{"hour": 2, "minute": 35}
